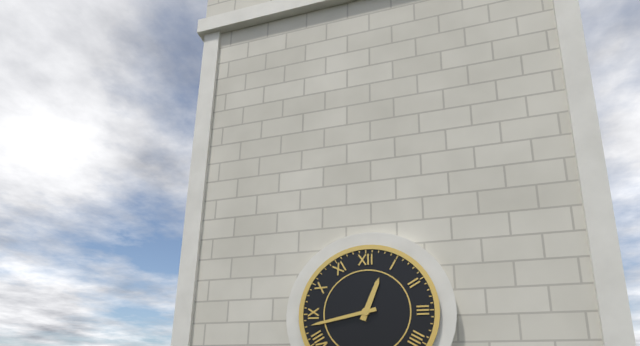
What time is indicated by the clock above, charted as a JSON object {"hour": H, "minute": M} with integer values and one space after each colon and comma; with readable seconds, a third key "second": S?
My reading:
{"hour": 12, "minute": 43}
